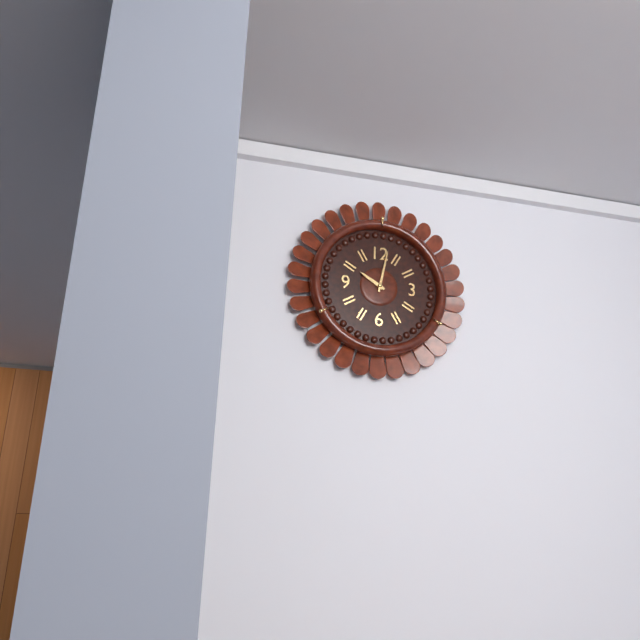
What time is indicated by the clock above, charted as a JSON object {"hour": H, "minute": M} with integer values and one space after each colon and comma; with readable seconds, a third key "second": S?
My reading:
{"hour": 10, "minute": 2}
